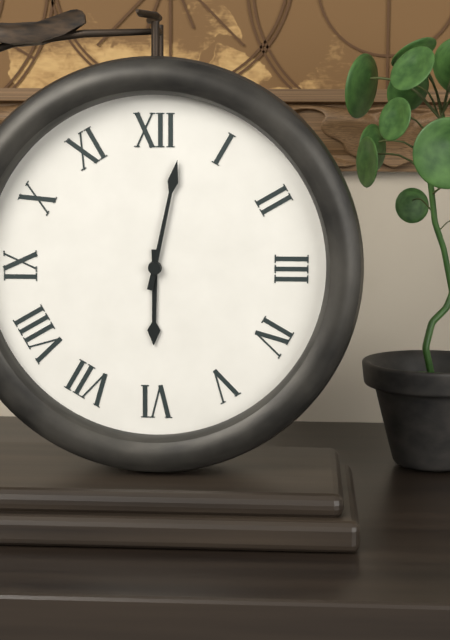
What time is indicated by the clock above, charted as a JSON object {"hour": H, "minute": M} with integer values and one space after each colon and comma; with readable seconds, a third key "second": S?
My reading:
{"hour": 6, "minute": 2}
